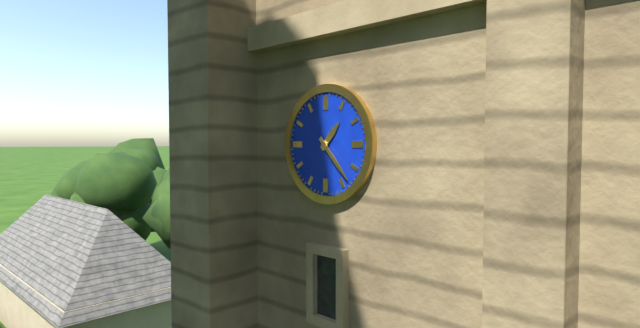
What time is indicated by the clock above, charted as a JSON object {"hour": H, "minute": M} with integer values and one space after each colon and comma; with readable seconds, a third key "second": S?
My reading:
{"hour": 1, "minute": 23}
